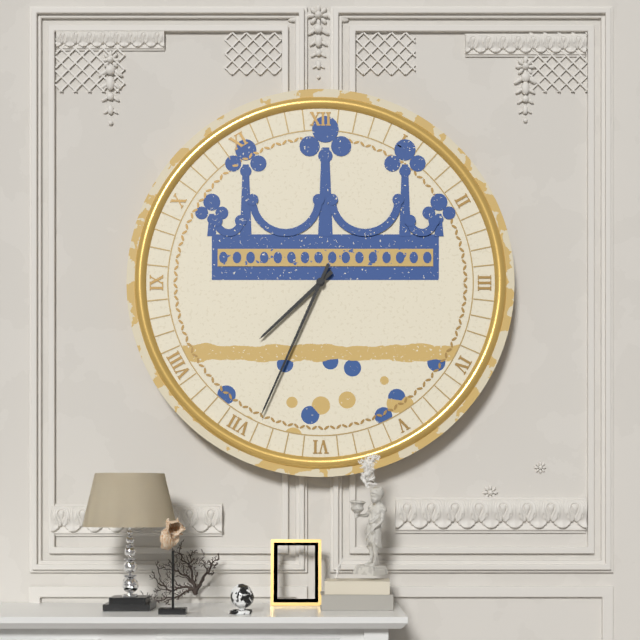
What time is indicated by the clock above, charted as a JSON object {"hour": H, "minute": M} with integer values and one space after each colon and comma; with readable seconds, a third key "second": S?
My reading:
{"hour": 7, "minute": 34}
